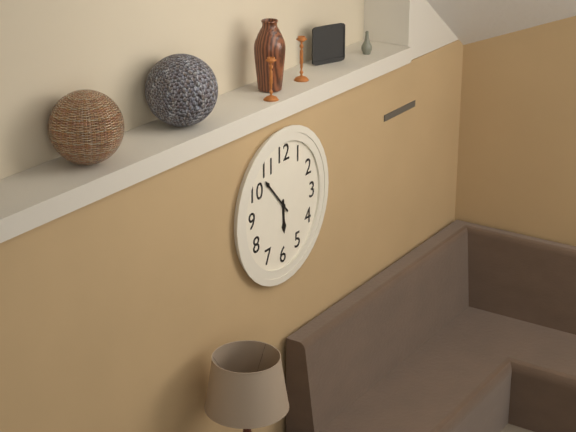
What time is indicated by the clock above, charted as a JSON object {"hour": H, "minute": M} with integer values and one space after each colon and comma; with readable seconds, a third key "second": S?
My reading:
{"hour": 5, "minute": 53}
